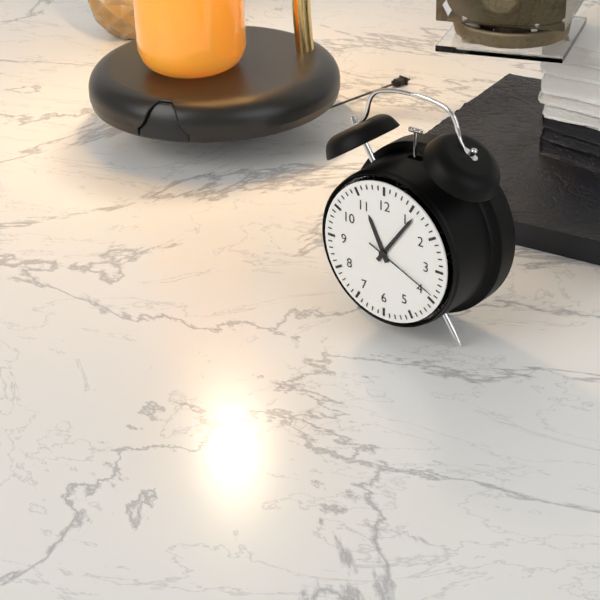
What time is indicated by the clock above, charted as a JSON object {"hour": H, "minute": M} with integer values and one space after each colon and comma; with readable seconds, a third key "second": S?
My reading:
{"hour": 11, "minute": 6, "second": 19}
